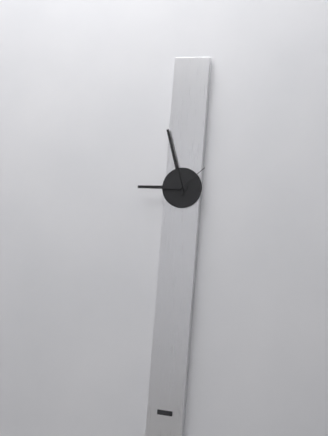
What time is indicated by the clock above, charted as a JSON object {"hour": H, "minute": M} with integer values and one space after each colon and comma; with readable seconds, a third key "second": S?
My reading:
{"hour": 8, "minute": 57}
